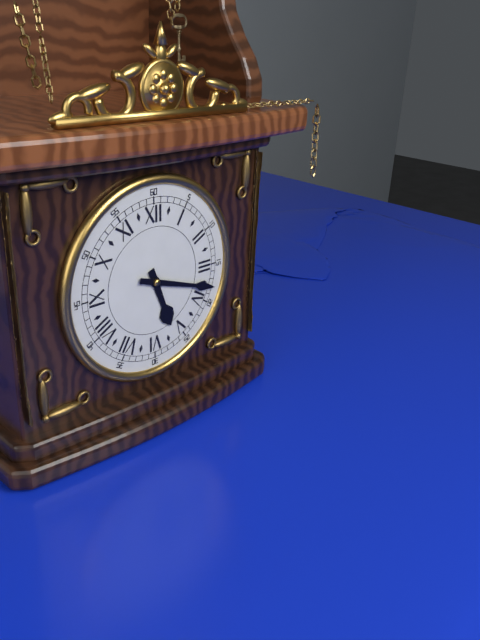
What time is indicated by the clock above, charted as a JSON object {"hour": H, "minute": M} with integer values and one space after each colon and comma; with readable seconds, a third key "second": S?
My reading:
{"hour": 5, "minute": 18}
